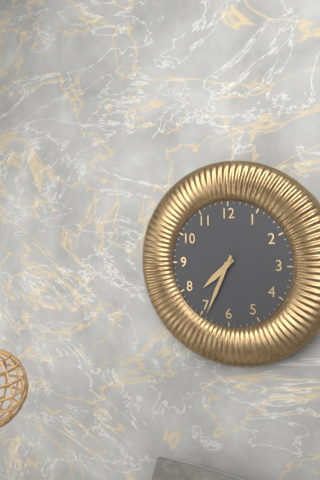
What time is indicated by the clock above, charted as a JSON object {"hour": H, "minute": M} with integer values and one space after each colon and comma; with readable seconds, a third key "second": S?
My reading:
{"hour": 7, "minute": 34}
